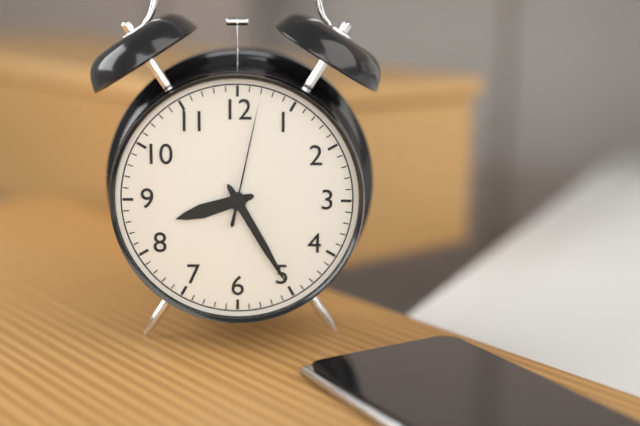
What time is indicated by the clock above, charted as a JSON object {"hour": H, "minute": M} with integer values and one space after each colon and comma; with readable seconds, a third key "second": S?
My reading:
{"hour": 8, "minute": 25, "second": 2}
